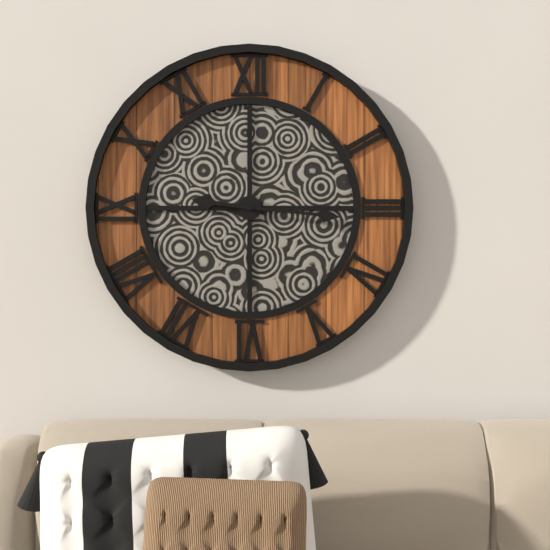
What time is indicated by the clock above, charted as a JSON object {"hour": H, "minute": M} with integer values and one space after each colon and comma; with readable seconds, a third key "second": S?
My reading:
{"hour": 9, "minute": 16}
